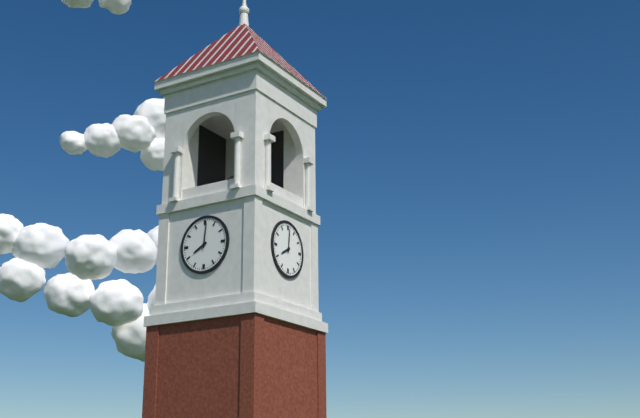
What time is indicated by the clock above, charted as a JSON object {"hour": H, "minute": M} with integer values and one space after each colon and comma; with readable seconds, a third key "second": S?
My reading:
{"hour": 8, "minute": 1}
